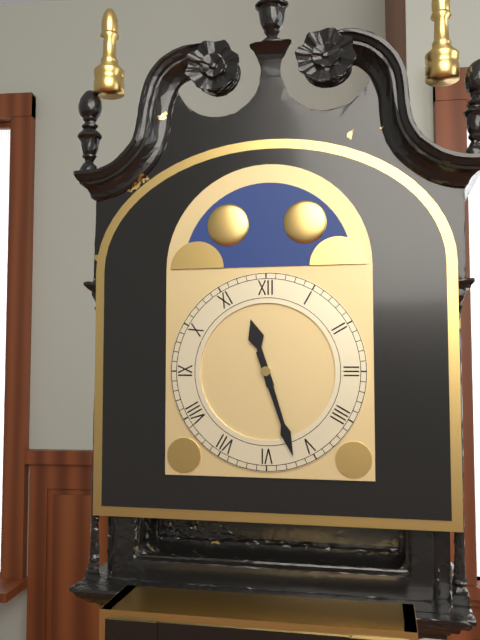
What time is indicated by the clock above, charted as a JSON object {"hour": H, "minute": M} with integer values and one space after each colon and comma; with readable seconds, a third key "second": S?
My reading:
{"hour": 11, "minute": 27}
